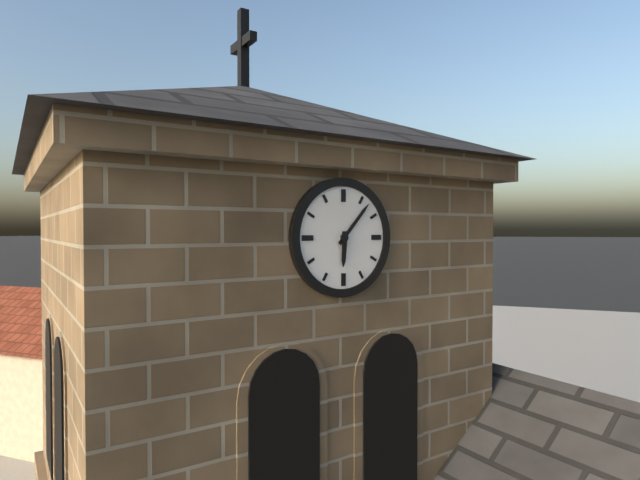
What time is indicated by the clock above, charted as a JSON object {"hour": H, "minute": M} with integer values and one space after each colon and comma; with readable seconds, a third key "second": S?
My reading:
{"hour": 6, "minute": 7}
